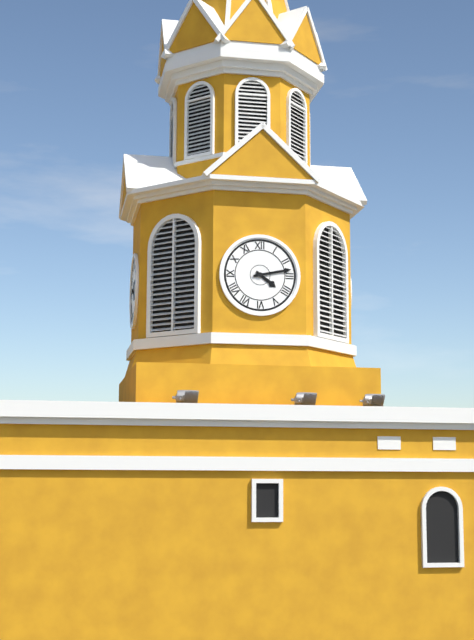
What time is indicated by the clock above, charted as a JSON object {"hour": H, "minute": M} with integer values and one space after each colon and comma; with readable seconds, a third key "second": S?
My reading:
{"hour": 4, "minute": 13}
